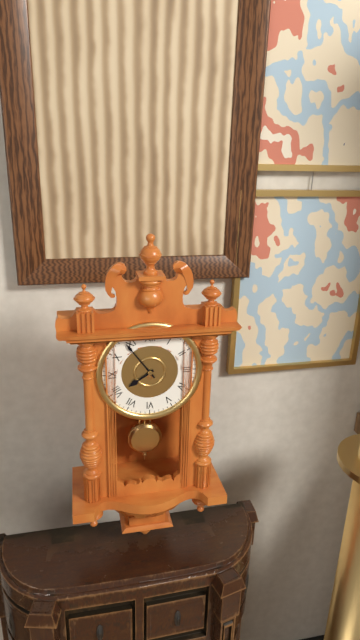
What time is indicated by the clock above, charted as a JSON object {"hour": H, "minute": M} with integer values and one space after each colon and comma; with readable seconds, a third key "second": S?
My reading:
{"hour": 7, "minute": 54}
